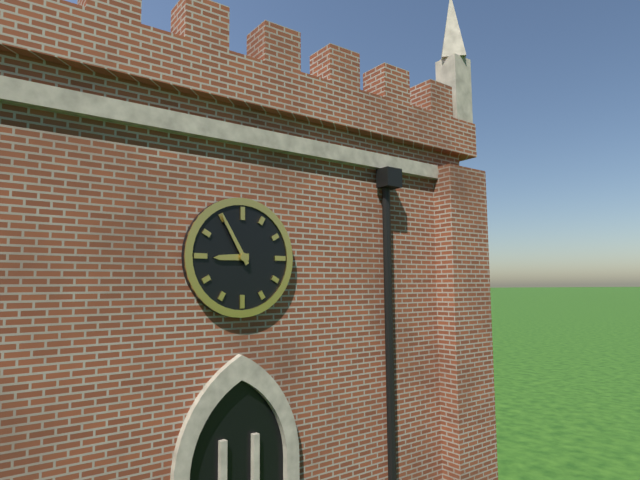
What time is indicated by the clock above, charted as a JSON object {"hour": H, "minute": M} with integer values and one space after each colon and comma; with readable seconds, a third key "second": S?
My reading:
{"hour": 8, "minute": 55}
